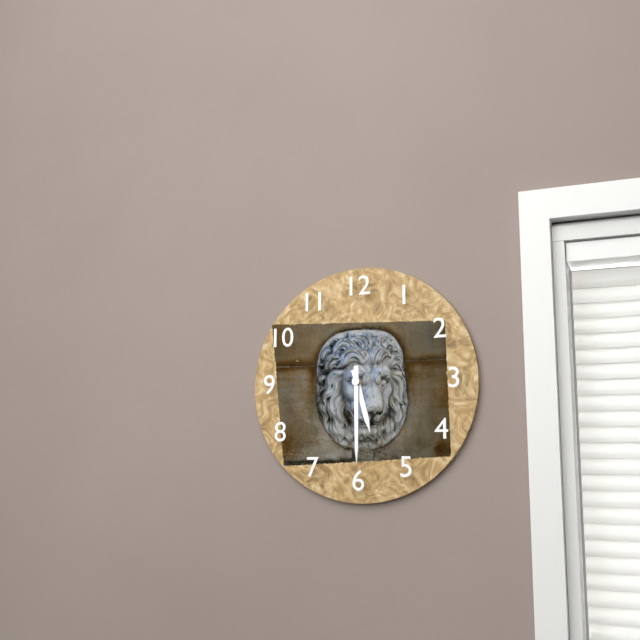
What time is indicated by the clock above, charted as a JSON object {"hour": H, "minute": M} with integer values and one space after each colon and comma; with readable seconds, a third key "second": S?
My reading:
{"hour": 5, "minute": 30}
